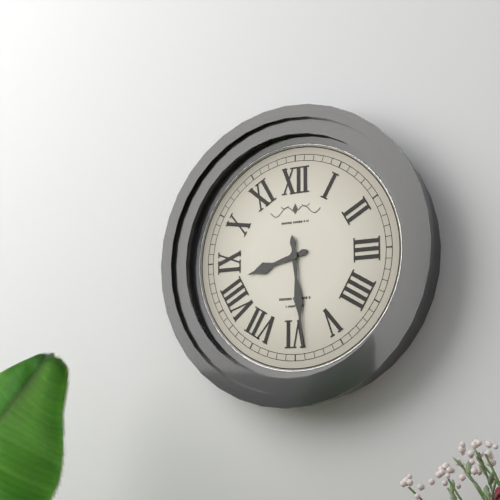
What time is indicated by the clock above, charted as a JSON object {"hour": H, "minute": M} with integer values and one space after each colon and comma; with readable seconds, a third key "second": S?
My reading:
{"hour": 8, "minute": 29}
